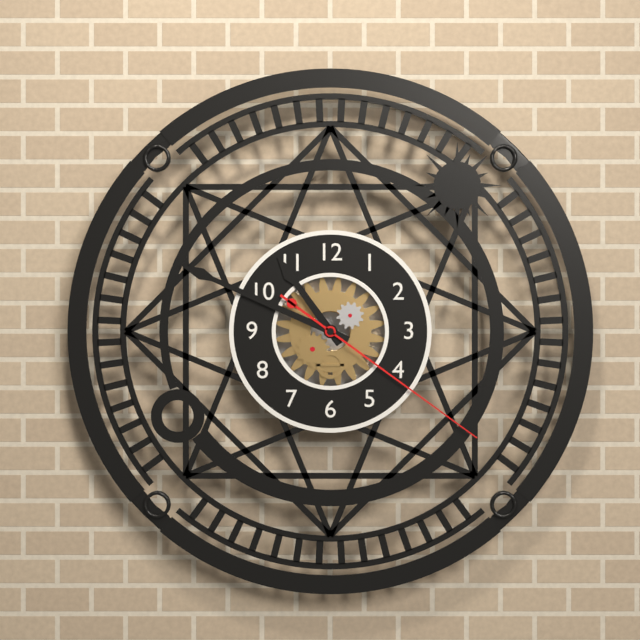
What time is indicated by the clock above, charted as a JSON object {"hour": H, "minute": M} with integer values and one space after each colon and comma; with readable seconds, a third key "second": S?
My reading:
{"hour": 10, "minute": 49, "second": 21}
